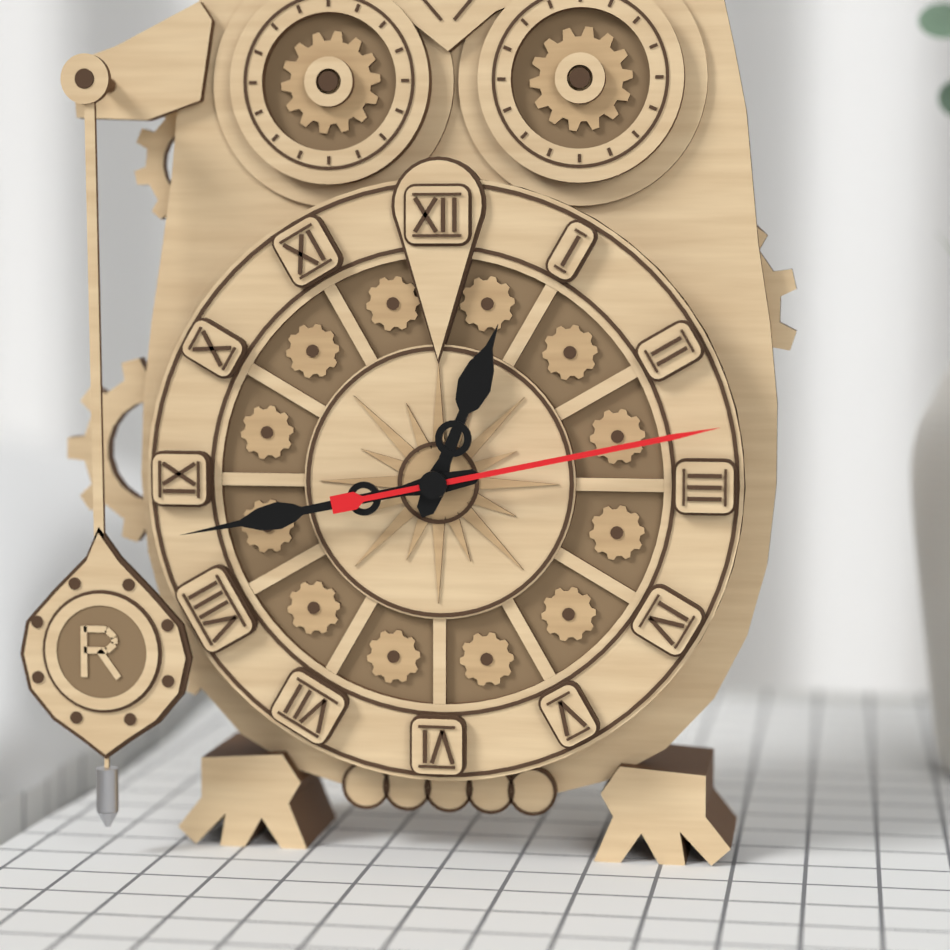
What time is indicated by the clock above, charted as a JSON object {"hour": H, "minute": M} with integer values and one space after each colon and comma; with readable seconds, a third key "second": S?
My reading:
{"hour": 12, "minute": 43, "second": 13}
